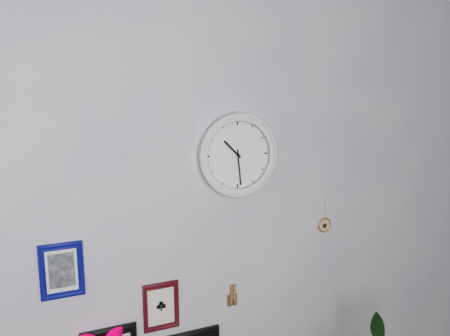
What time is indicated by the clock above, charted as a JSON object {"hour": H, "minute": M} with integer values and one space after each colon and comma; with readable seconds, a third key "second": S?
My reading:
{"hour": 10, "minute": 29}
